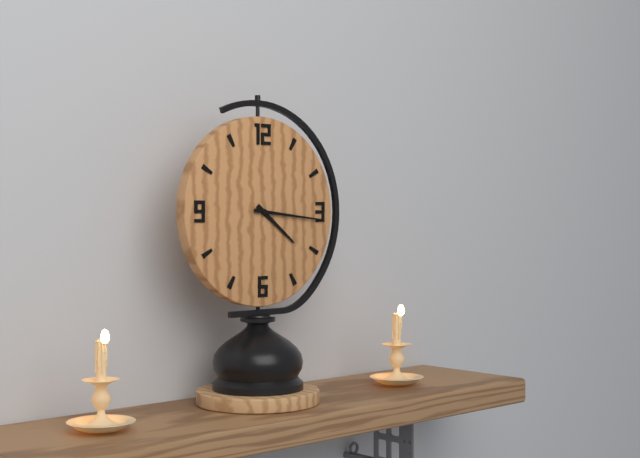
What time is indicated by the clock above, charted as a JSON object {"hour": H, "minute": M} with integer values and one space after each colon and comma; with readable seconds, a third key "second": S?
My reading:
{"hour": 4, "minute": 16}
